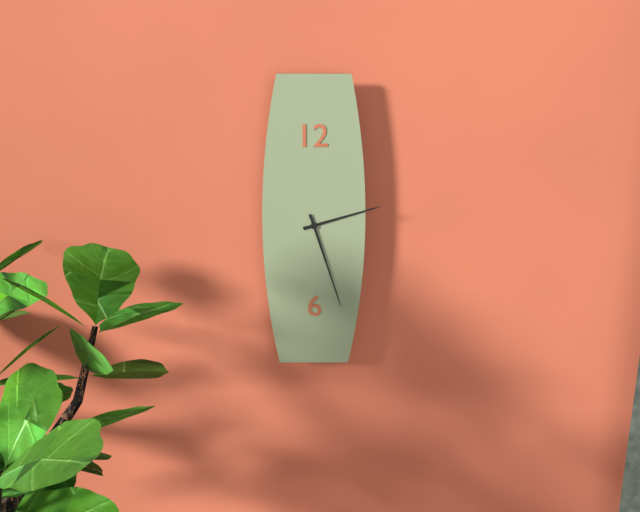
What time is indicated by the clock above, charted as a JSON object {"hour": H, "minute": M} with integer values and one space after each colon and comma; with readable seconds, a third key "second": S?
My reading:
{"hour": 2, "minute": 27}
